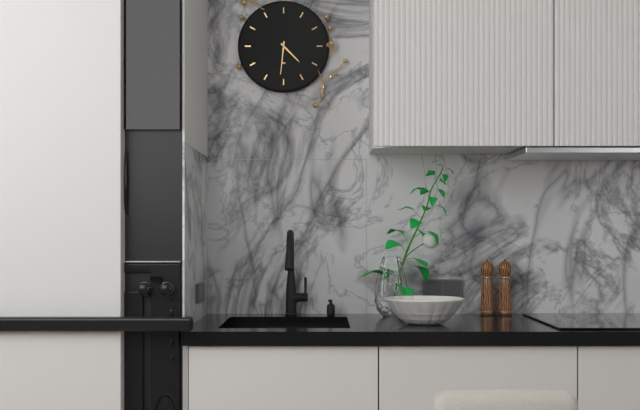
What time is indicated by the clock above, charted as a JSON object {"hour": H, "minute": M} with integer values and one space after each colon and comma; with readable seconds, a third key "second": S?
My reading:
{"hour": 4, "minute": 31}
